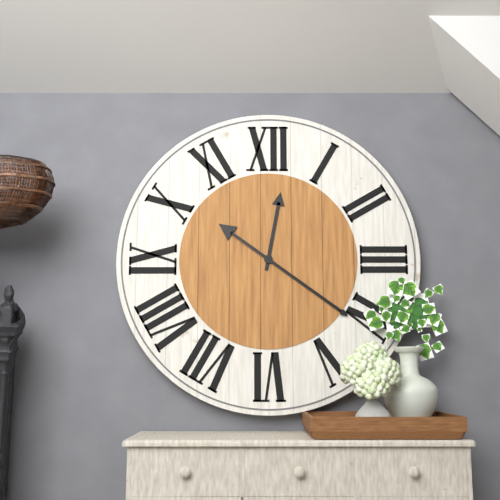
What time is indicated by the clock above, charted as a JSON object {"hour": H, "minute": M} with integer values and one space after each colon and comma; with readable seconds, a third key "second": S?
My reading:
{"hour": 12, "minute": 21}
